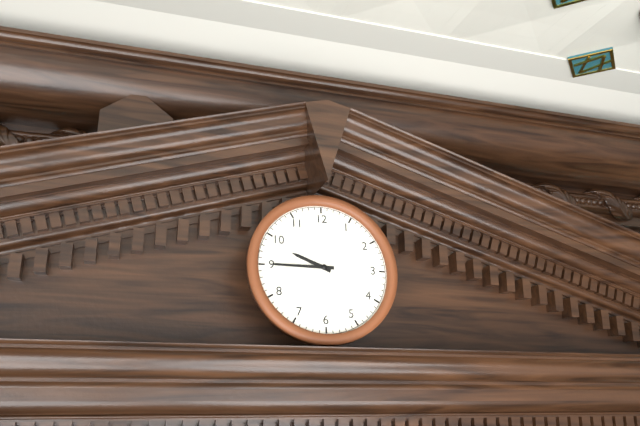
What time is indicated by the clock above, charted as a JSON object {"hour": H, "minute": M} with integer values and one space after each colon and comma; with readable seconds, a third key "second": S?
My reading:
{"hour": 9, "minute": 45}
